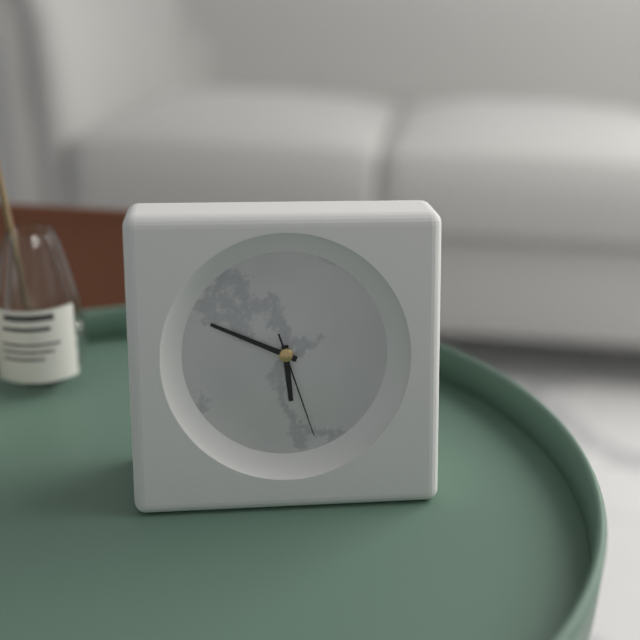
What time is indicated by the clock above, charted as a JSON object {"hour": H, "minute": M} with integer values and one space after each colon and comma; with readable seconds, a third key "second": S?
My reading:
{"hour": 5, "minute": 49, "second": 27}
